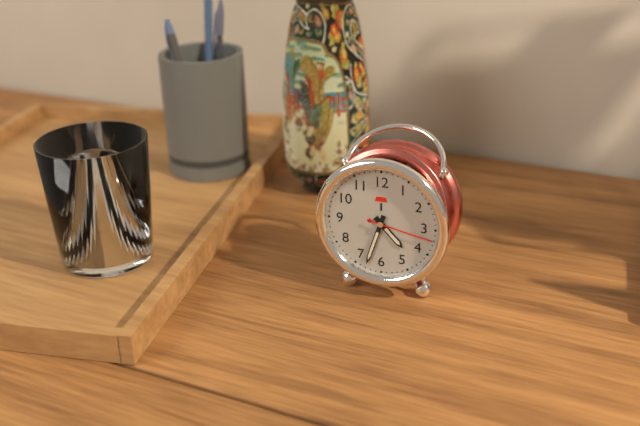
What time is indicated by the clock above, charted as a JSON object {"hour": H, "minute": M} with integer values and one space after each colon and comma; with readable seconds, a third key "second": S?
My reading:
{"hour": 4, "minute": 33, "second": 17}
